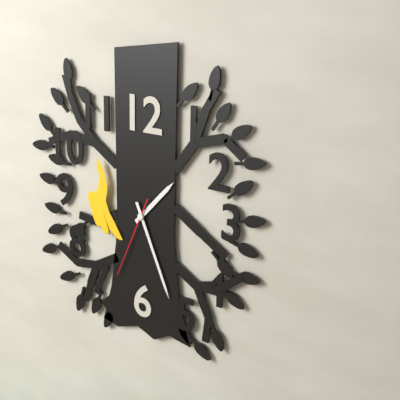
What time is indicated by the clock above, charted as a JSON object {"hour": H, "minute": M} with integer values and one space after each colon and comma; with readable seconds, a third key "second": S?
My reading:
{"hour": 1, "minute": 26, "second": 34}
